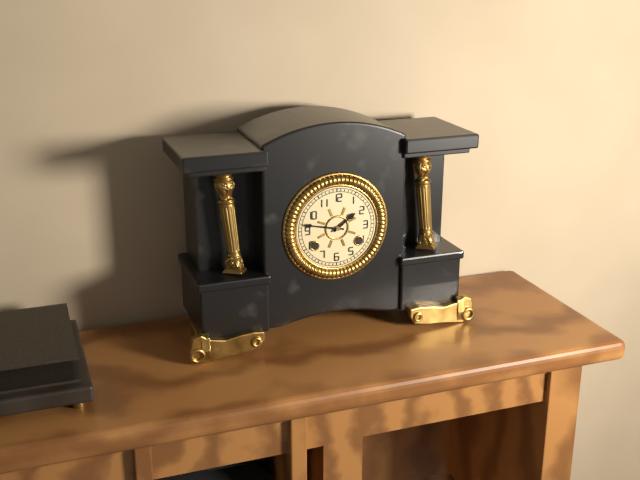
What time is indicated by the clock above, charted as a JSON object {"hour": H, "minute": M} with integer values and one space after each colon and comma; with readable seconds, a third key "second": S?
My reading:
{"hour": 1, "minute": 47}
